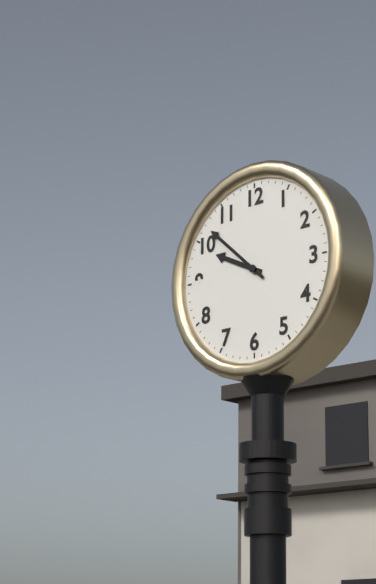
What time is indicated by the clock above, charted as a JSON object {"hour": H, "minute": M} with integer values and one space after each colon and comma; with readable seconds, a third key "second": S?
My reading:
{"hour": 9, "minute": 52}
